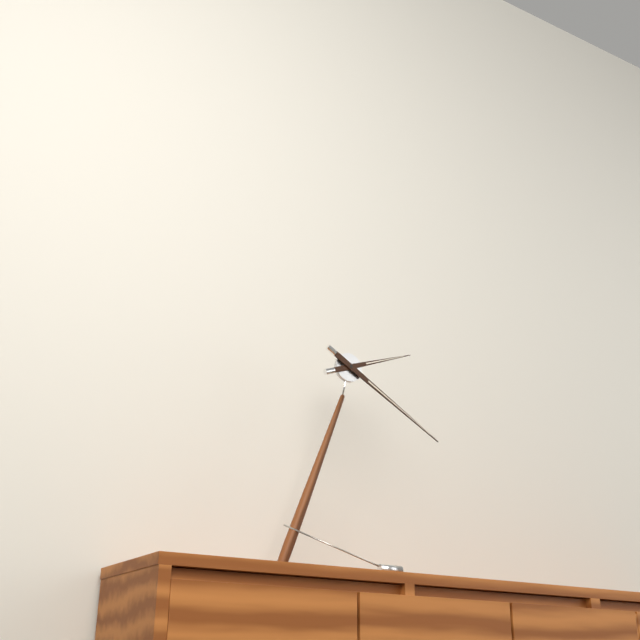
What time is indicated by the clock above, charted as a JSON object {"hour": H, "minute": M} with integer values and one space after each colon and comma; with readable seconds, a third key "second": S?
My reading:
{"hour": 2, "minute": 20}
